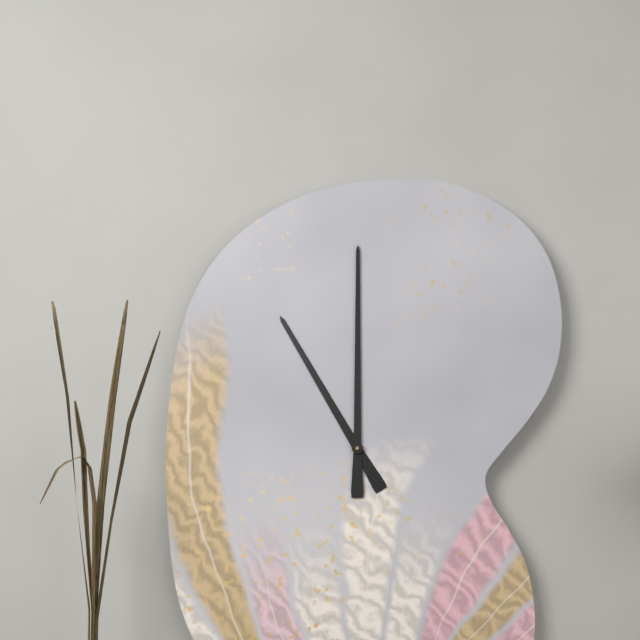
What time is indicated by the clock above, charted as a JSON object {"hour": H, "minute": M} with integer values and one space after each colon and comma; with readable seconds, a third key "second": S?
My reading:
{"hour": 11, "minute": 0}
